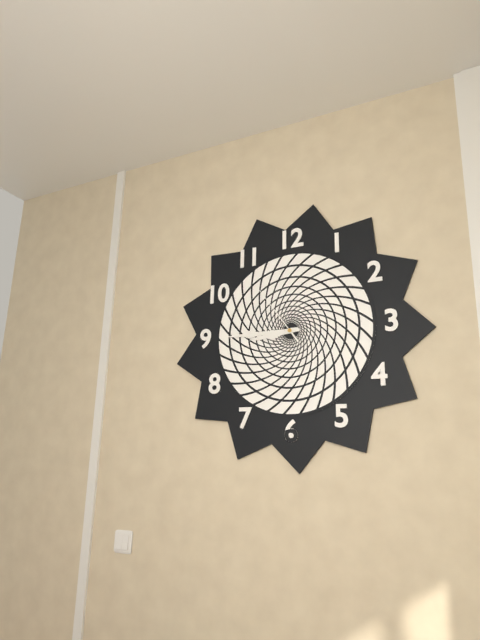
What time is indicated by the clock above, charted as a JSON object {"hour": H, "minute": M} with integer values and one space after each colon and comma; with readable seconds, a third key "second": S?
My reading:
{"hour": 8, "minute": 45, "second": 54}
